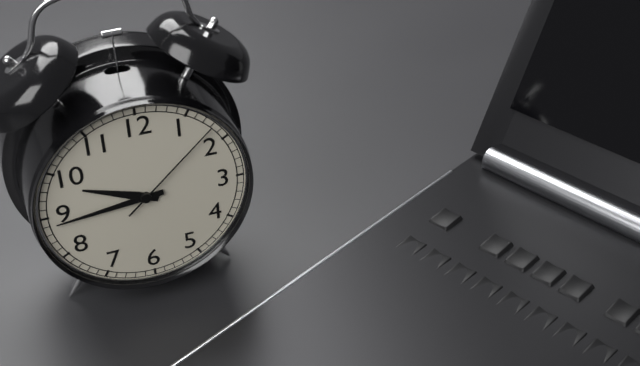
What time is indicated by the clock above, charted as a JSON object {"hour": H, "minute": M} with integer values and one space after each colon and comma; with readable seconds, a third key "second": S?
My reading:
{"hour": 9, "minute": 44, "second": 8}
